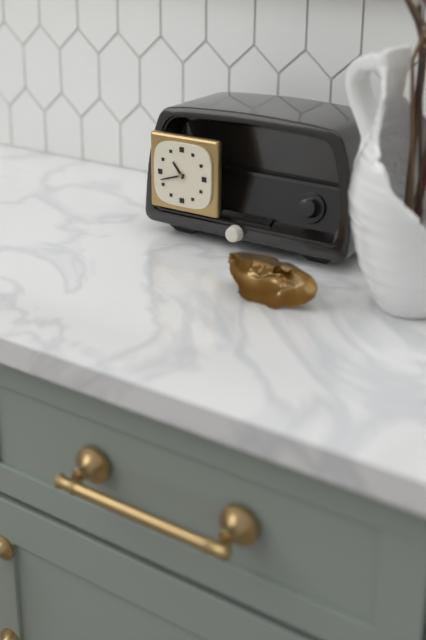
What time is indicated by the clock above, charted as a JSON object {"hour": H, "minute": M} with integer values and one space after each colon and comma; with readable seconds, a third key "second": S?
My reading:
{"hour": 10, "minute": 42}
